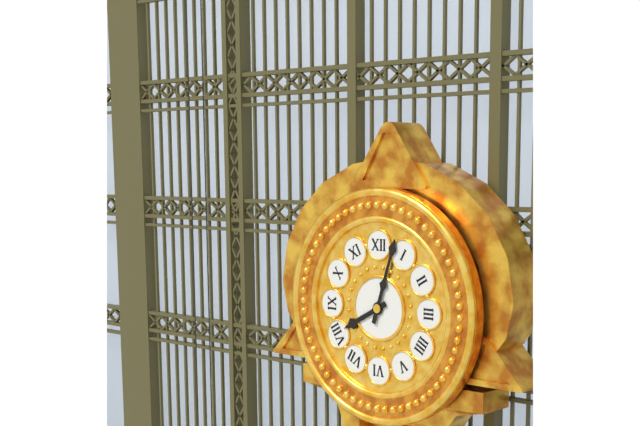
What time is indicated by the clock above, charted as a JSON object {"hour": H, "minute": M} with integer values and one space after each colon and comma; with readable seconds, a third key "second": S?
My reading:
{"hour": 8, "minute": 3}
